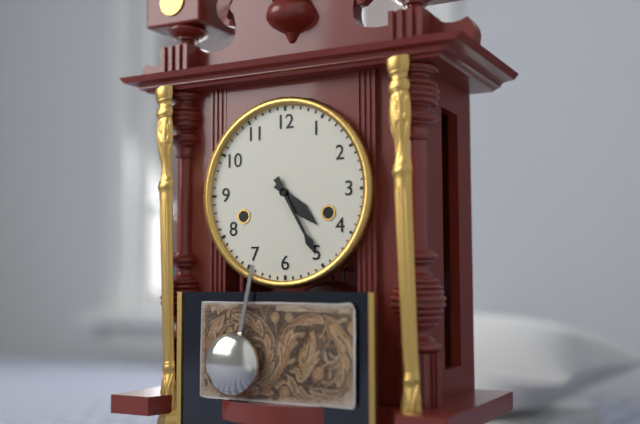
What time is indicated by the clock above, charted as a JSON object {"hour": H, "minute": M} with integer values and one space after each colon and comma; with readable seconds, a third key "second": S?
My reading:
{"hour": 4, "minute": 25}
